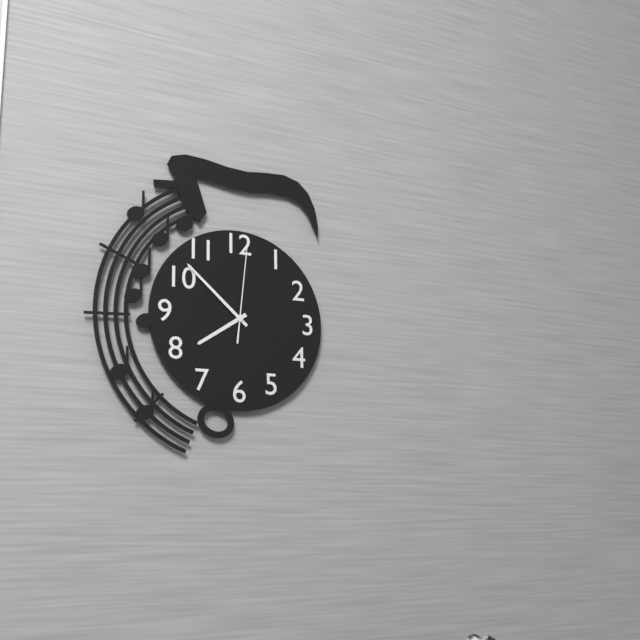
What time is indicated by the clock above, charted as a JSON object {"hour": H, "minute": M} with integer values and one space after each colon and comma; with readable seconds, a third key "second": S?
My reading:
{"hour": 7, "minute": 52, "second": 1}
